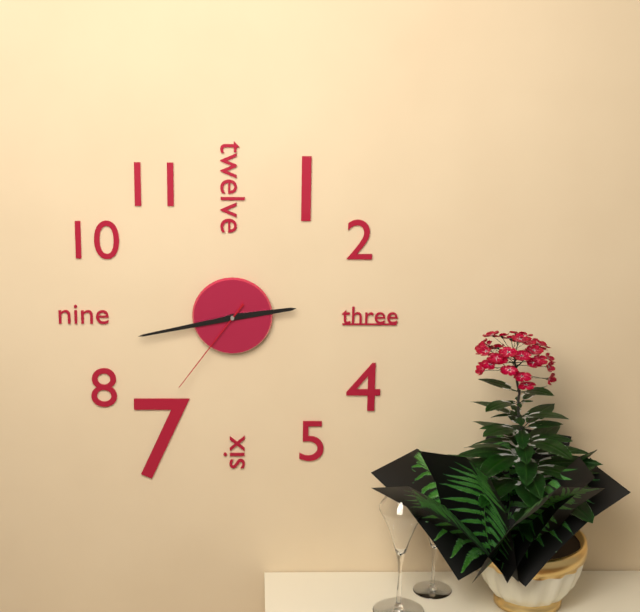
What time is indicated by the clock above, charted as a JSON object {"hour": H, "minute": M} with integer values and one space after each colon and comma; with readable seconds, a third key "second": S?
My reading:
{"hour": 2, "minute": 43, "second": 36}
